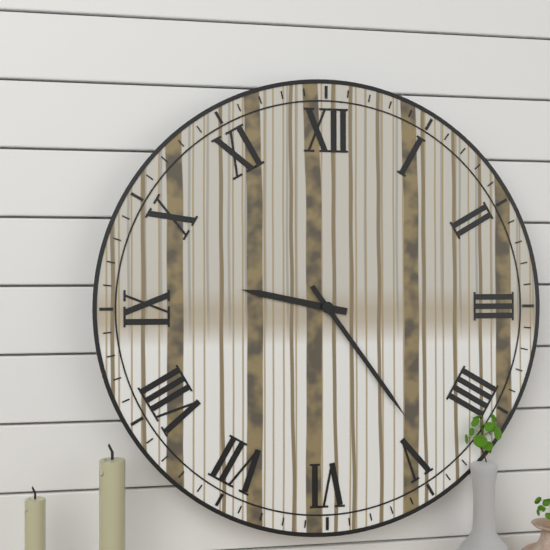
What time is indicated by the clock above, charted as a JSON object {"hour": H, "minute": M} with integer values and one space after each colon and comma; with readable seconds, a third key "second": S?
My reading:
{"hour": 9, "minute": 24}
